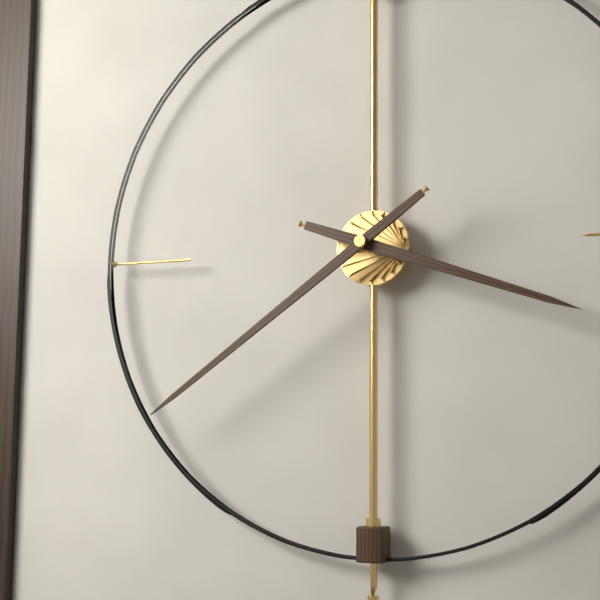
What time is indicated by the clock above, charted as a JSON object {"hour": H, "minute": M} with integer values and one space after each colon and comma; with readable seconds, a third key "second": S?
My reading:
{"hour": 3, "minute": 39}
